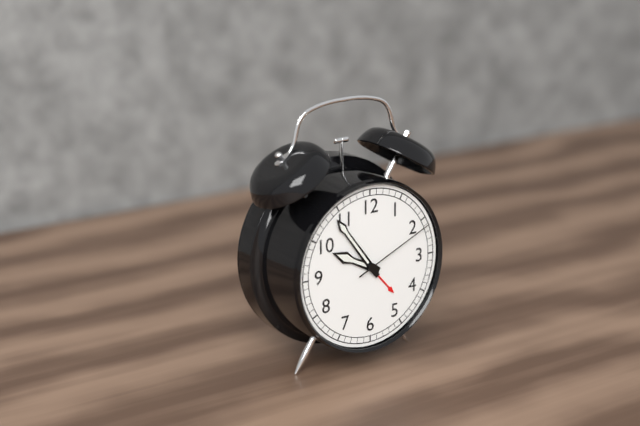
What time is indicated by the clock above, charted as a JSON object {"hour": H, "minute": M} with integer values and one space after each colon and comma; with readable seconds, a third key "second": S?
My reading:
{"hour": 9, "minute": 54, "second": 11}
